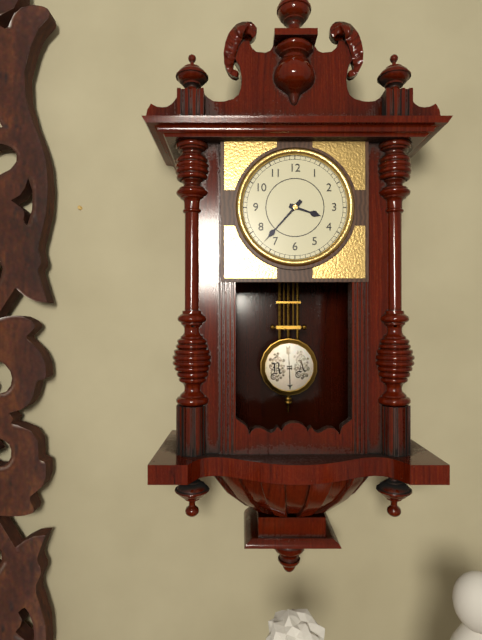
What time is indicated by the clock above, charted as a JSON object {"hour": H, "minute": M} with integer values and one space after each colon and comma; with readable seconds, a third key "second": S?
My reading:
{"hour": 3, "minute": 37}
